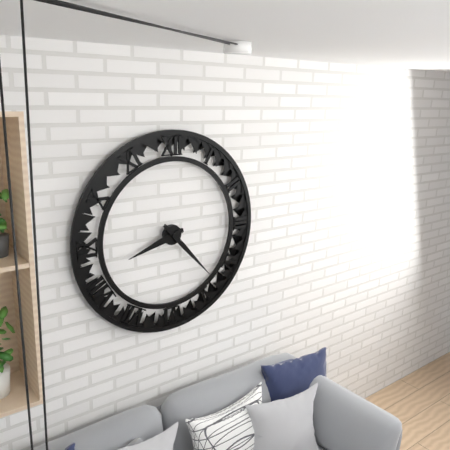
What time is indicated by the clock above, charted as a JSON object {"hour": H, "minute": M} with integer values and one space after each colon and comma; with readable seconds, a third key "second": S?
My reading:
{"hour": 8, "minute": 23}
